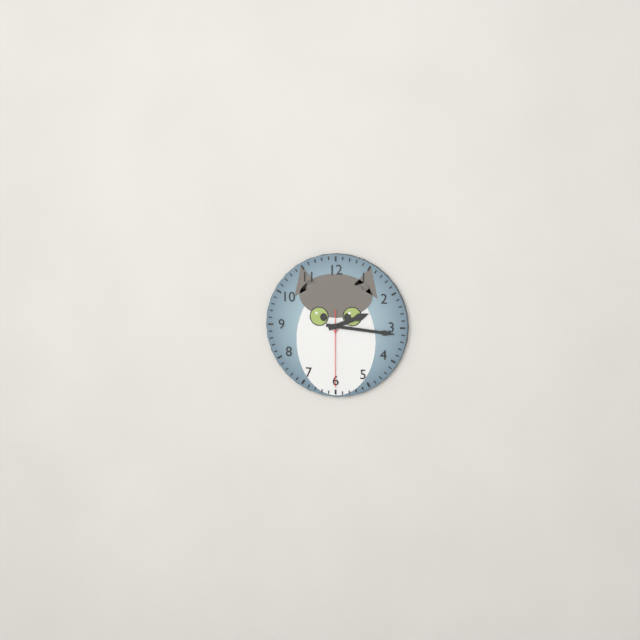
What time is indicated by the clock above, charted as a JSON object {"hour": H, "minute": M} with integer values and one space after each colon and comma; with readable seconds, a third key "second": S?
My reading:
{"hour": 2, "minute": 16, "second": 30}
